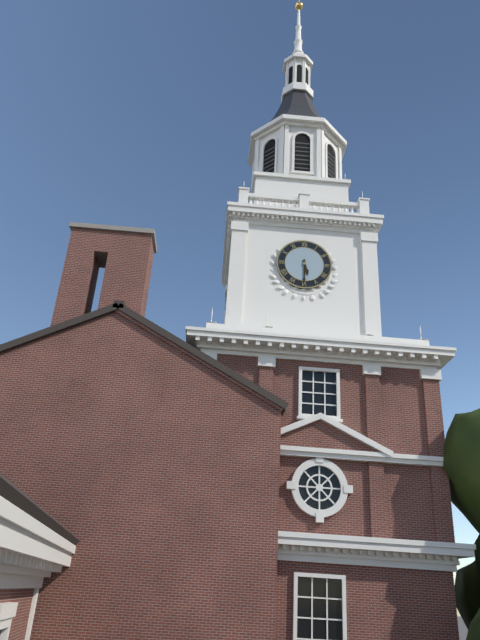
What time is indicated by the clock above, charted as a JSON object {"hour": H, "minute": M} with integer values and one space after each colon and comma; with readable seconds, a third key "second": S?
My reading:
{"hour": 5, "minute": 30}
